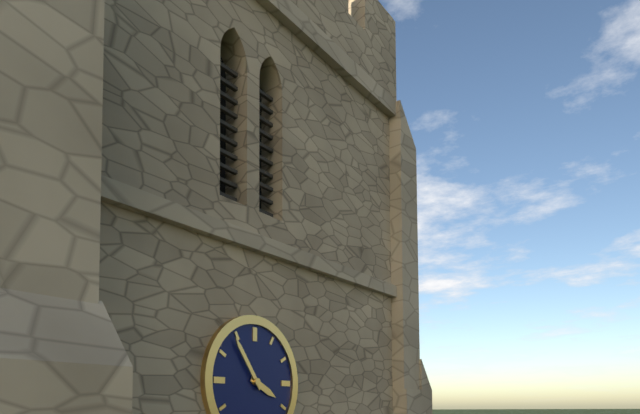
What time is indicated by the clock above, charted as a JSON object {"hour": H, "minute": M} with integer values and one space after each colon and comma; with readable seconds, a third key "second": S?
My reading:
{"hour": 3, "minute": 54}
